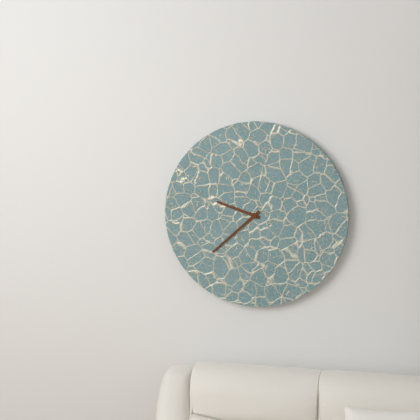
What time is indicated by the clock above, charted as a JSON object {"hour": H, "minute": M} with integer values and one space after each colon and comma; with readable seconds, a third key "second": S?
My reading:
{"hour": 9, "minute": 38}
